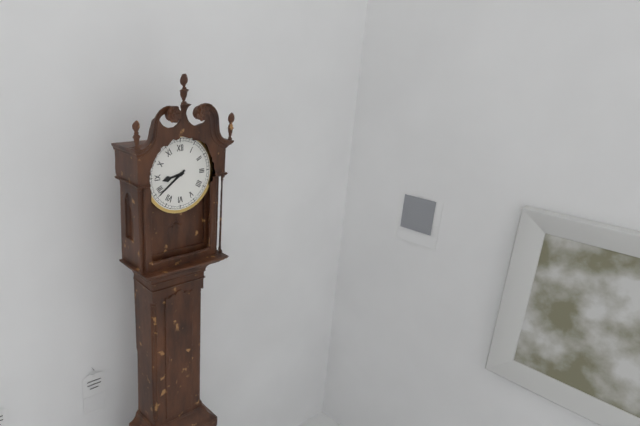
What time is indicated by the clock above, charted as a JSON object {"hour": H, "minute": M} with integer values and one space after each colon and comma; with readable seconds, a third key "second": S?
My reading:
{"hour": 8, "minute": 39}
